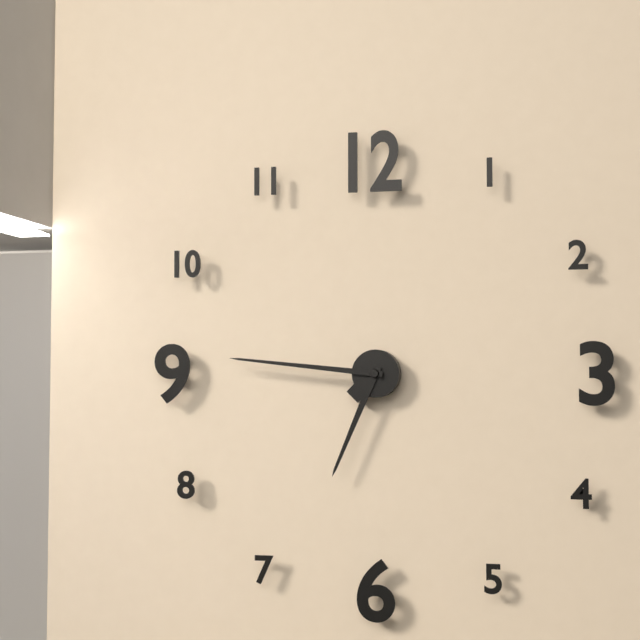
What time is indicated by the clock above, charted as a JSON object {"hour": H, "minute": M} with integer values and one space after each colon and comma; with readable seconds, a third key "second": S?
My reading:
{"hour": 6, "minute": 46}
